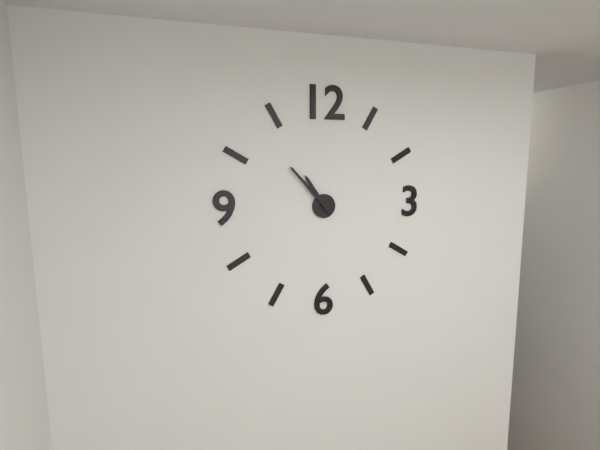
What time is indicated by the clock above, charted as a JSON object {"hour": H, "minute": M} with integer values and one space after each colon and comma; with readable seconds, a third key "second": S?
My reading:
{"hour": 10, "minute": 53}
